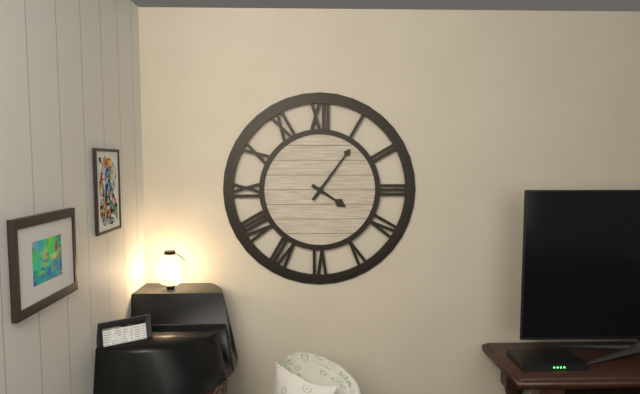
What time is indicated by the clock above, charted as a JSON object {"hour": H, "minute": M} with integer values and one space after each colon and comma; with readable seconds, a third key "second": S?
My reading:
{"hour": 4, "minute": 6}
